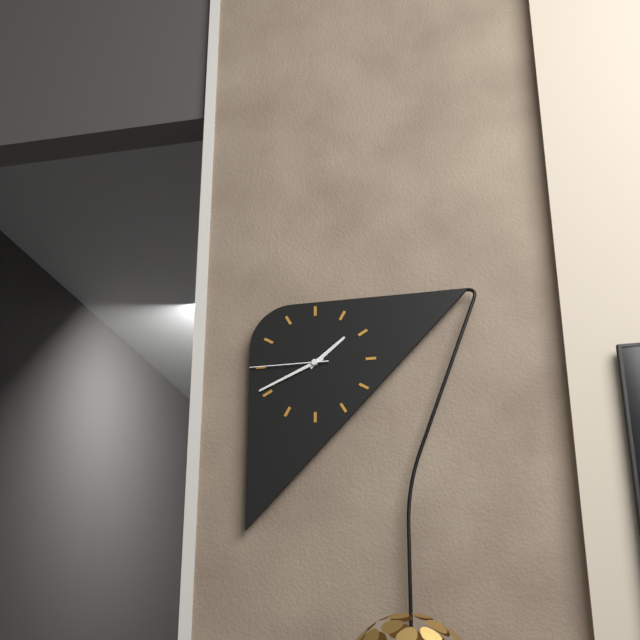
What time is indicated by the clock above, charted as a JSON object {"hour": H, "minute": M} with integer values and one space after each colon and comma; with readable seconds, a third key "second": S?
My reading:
{"hour": 1, "minute": 41, "second": 45}
